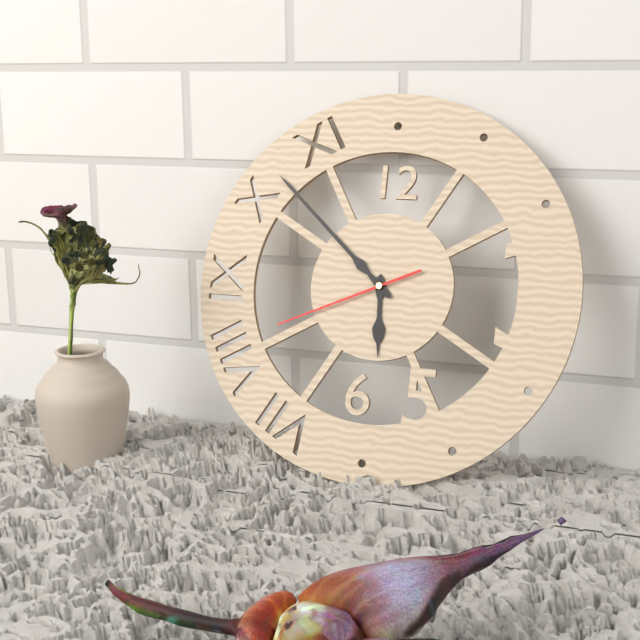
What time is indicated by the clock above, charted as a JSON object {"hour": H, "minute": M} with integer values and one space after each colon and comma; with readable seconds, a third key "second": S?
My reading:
{"hour": 5, "minute": 52, "second": 41}
